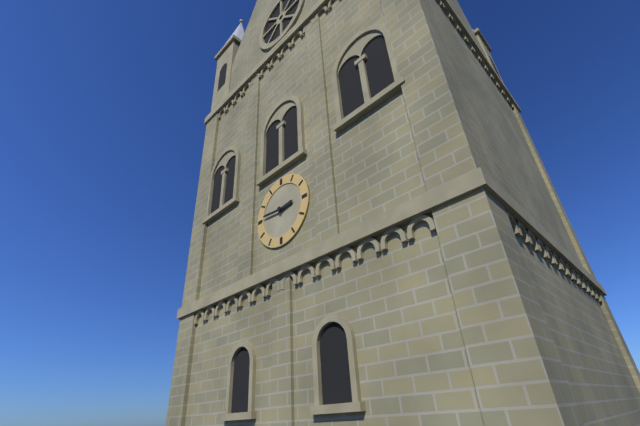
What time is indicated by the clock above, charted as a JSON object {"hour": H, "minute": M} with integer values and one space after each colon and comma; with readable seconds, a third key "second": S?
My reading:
{"hour": 2, "minute": 46}
